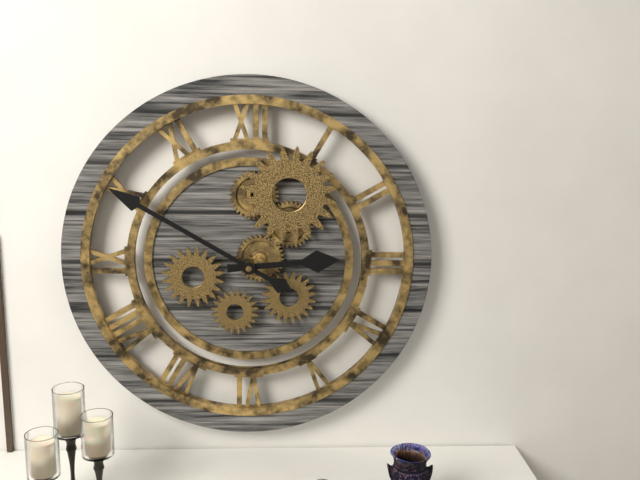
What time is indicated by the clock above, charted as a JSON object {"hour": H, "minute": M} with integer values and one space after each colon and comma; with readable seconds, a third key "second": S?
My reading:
{"hour": 2, "minute": 50}
